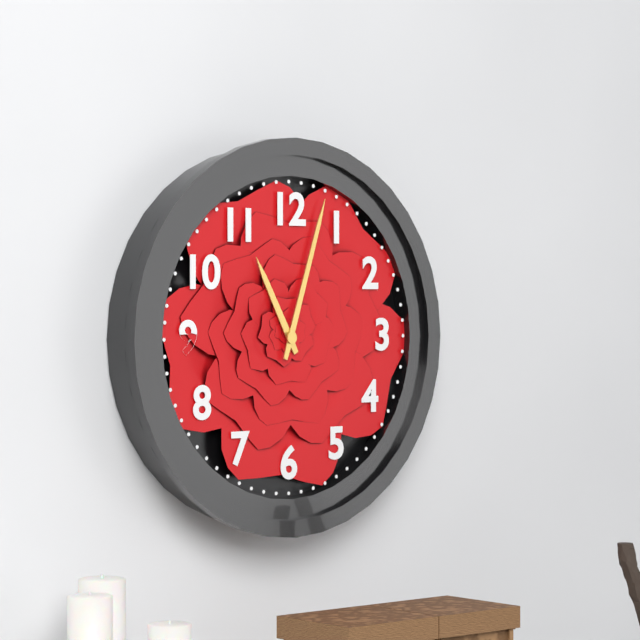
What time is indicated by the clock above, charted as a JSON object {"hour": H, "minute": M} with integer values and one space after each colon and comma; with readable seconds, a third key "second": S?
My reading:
{"hour": 11, "minute": 3}
